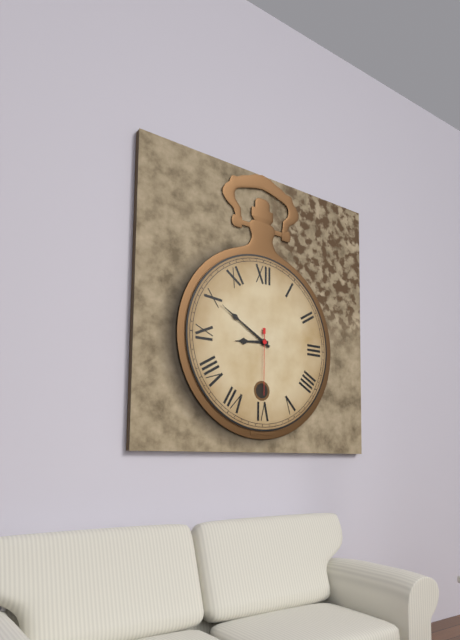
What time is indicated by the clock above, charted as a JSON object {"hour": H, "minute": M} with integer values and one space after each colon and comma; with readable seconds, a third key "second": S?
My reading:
{"hour": 8, "minute": 50, "second": 30}
